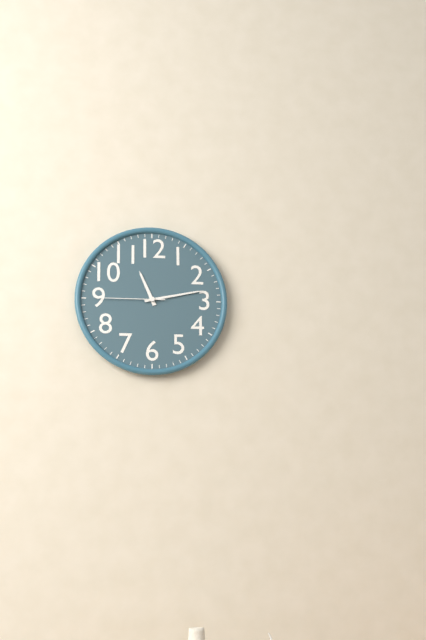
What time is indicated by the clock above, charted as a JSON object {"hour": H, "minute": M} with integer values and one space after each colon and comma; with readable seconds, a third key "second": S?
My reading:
{"hour": 11, "minute": 13, "second": 45}
